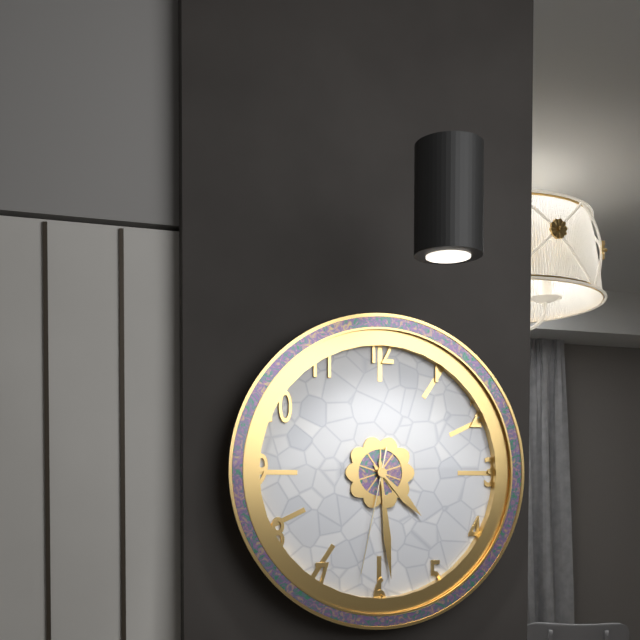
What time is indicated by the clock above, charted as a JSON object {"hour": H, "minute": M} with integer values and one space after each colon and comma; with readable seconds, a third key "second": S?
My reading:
{"hour": 4, "minute": 29, "second": 32}
